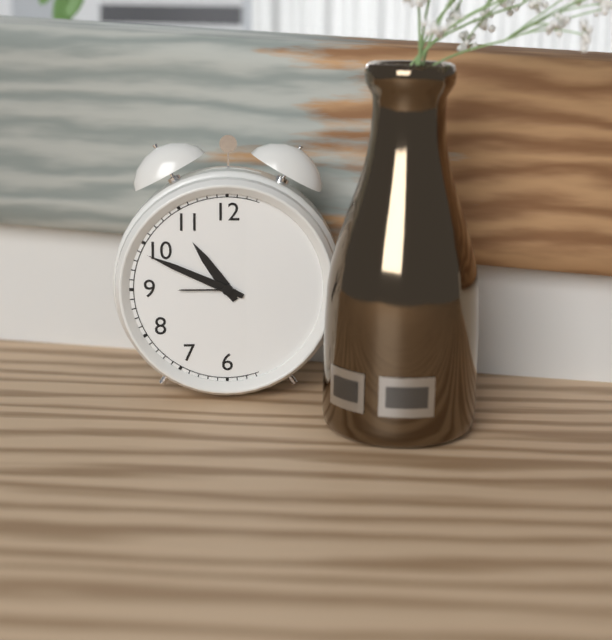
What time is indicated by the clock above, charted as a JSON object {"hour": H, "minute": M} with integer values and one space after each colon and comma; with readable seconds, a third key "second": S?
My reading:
{"hour": 10, "minute": 49}
